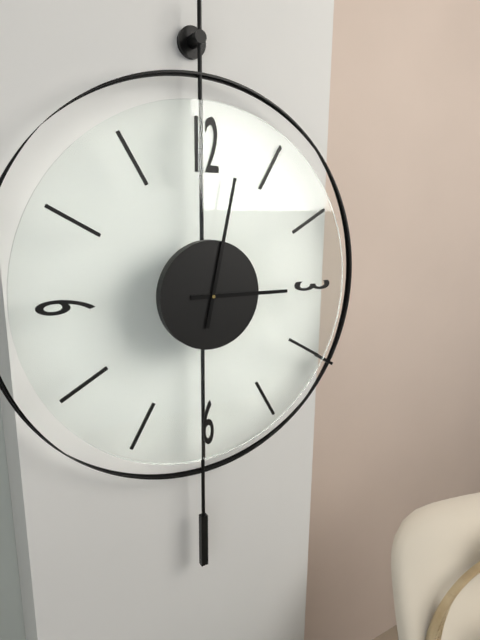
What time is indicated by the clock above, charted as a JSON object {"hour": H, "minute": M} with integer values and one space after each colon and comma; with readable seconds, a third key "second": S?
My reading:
{"hour": 3, "minute": 2}
